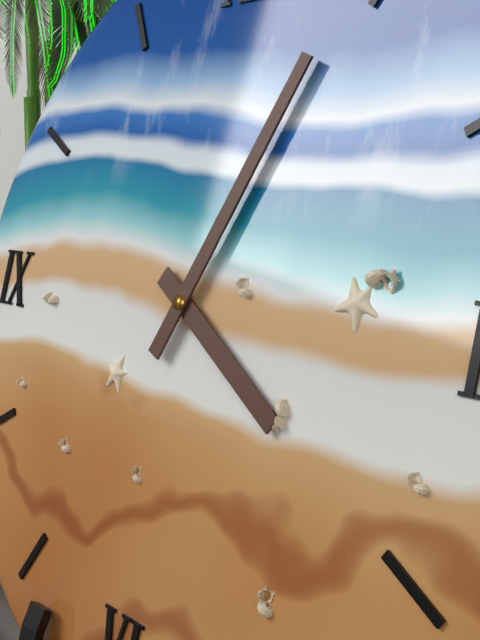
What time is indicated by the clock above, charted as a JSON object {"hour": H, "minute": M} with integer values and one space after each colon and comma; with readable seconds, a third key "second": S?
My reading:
{"hour": 4, "minute": 4}
